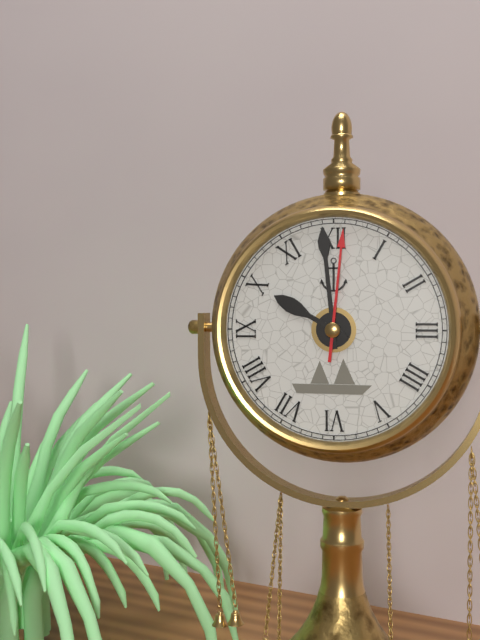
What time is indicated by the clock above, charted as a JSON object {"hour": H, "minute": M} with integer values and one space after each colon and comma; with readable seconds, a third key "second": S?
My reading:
{"hour": 9, "minute": 59, "second": 1}
